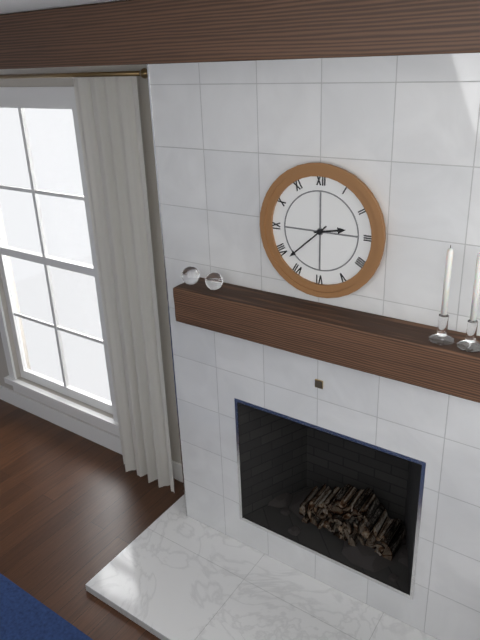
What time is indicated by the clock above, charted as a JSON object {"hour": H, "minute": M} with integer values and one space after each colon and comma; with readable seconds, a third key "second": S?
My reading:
{"hour": 2, "minute": 38}
